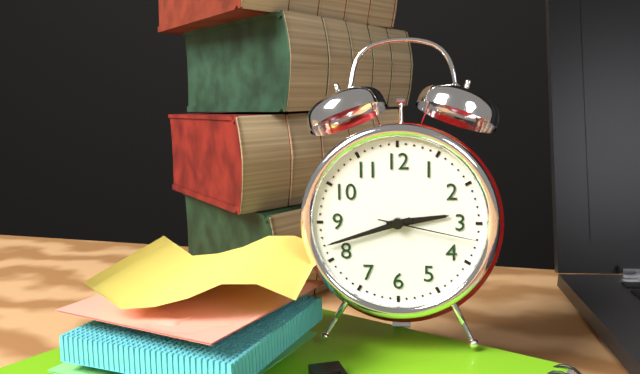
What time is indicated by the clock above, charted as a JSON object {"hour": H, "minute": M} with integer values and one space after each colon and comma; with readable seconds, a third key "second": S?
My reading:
{"hour": 2, "minute": 42, "second": 17}
